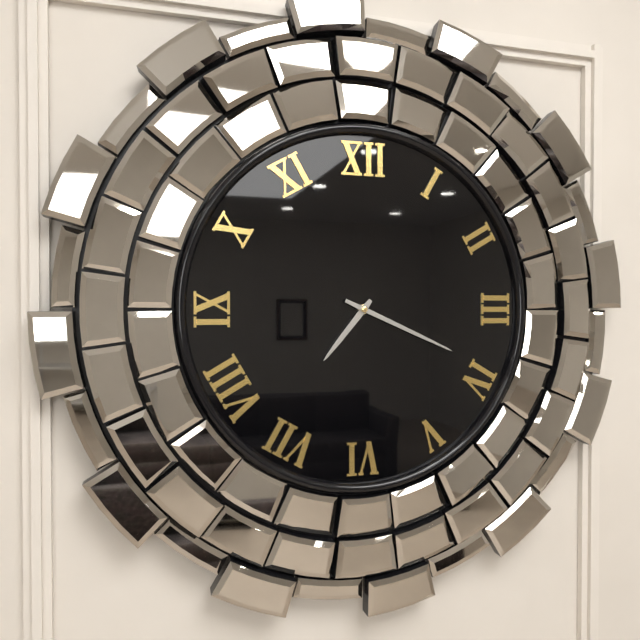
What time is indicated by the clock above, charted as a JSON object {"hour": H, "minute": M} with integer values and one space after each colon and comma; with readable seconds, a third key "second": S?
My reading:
{"hour": 7, "minute": 19}
